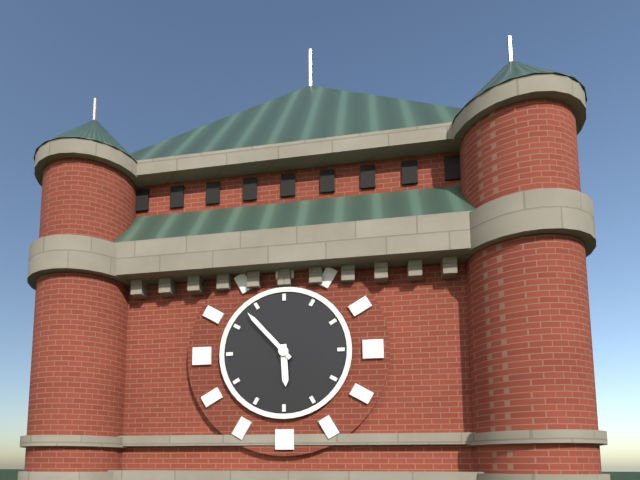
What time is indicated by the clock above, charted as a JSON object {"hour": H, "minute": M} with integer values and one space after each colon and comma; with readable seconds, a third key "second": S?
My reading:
{"hour": 5, "minute": 53}
